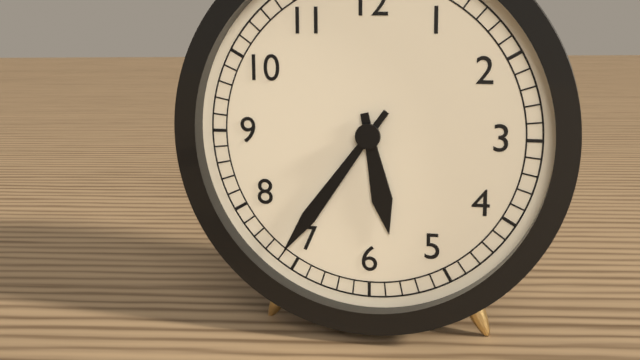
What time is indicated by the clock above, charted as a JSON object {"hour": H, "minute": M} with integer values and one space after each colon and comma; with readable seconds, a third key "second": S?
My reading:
{"hour": 5, "minute": 36}
